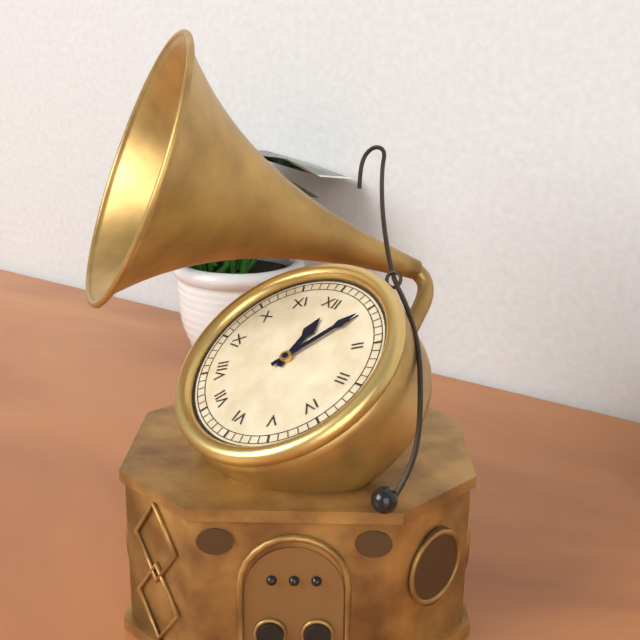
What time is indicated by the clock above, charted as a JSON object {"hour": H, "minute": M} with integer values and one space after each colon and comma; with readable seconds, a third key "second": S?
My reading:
{"hour": 12, "minute": 5}
